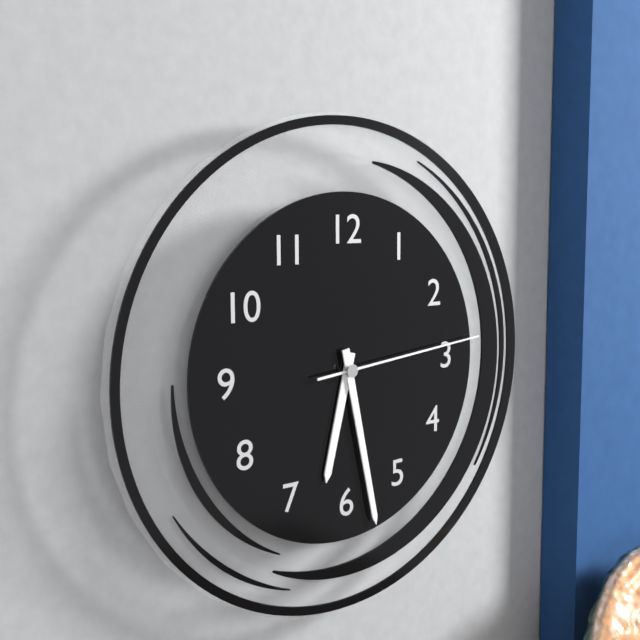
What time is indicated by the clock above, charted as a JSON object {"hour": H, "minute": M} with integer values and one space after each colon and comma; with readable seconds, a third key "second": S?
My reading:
{"hour": 6, "minute": 28, "second": 14}
